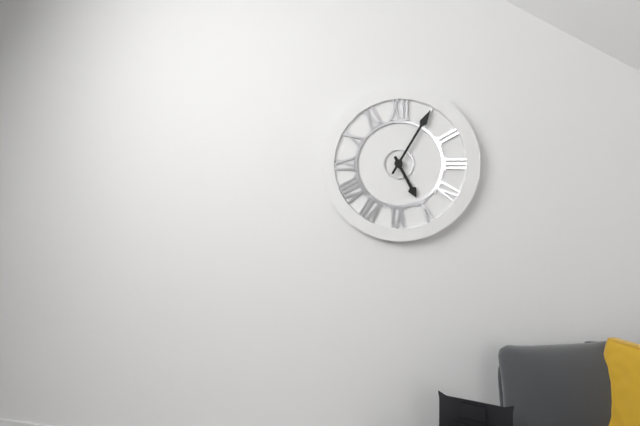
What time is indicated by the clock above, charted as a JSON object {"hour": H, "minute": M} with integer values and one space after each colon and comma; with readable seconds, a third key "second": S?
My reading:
{"hour": 5, "minute": 5}
